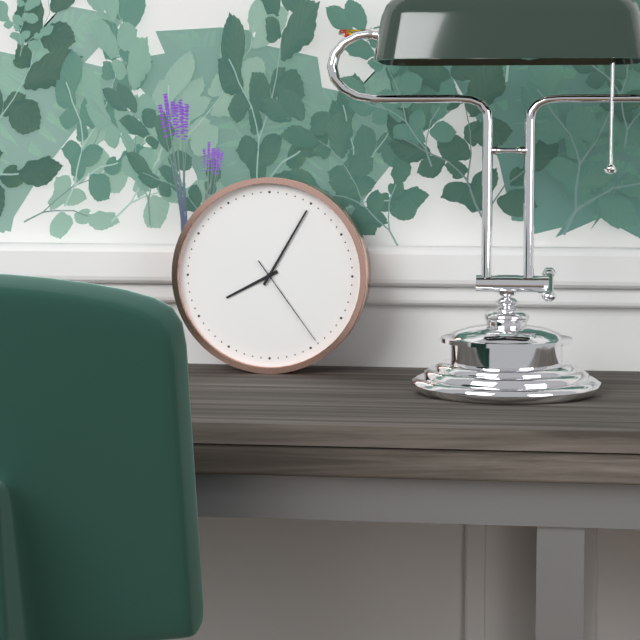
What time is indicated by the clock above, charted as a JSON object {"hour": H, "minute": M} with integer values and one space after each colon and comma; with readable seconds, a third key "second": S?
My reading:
{"hour": 8, "minute": 5, "second": 24}
